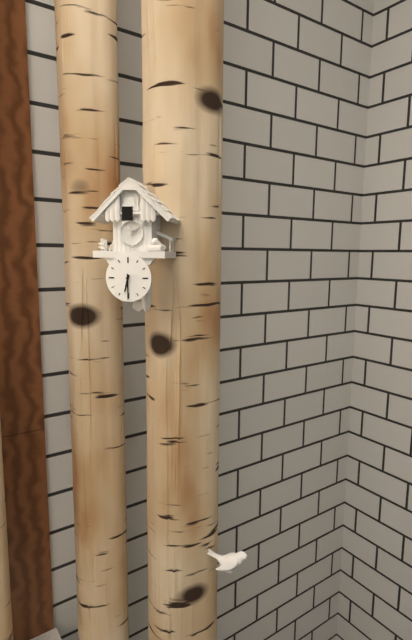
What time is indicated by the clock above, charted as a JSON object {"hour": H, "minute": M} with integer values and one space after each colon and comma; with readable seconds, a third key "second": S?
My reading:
{"hour": 6, "minute": 30}
